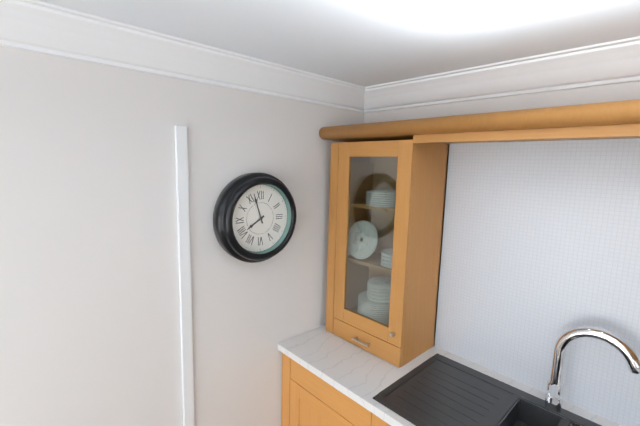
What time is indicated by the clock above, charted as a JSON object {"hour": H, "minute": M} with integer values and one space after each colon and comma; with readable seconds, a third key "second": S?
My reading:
{"hour": 7, "minute": 57}
